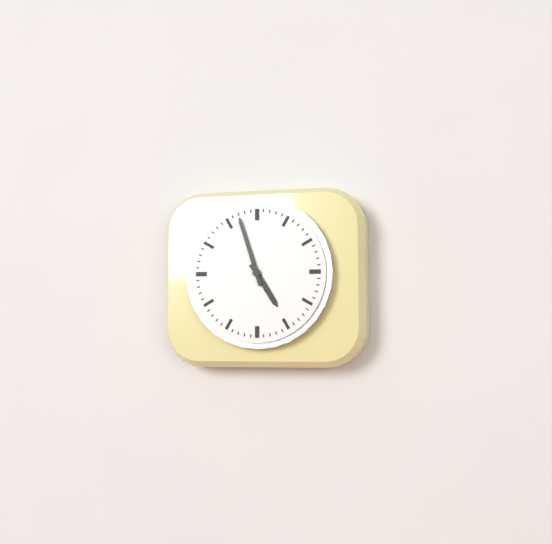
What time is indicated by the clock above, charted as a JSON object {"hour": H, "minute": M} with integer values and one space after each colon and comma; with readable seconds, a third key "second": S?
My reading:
{"hour": 4, "minute": 57}
